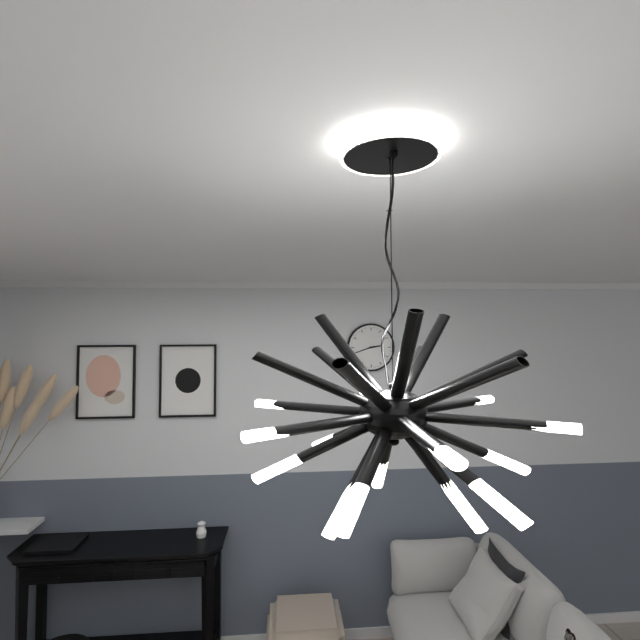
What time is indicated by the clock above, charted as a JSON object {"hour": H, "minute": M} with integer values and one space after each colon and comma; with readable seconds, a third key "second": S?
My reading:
{"hour": 2, "minute": 42}
